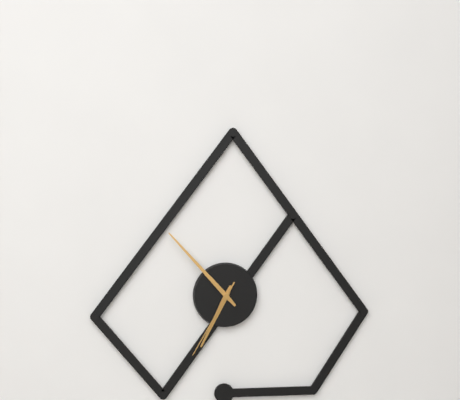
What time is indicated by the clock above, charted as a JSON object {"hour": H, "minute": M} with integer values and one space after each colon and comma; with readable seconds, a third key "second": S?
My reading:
{"hour": 6, "minute": 53, "second": 35}
